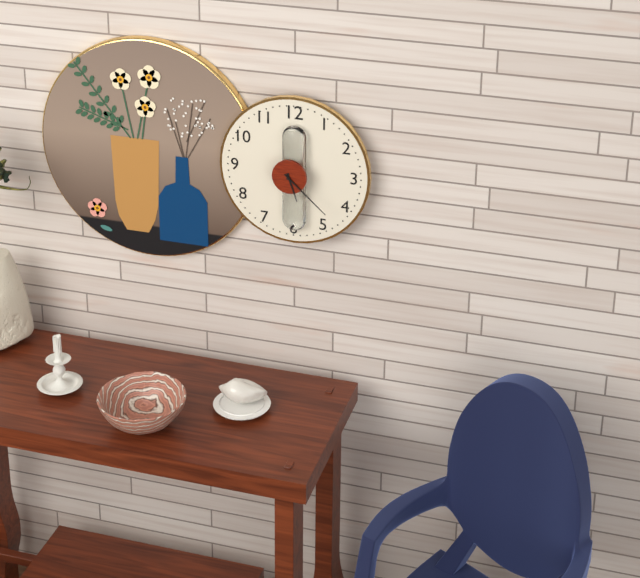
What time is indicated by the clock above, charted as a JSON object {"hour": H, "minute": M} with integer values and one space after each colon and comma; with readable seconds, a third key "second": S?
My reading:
{"hour": 5, "minute": 22}
